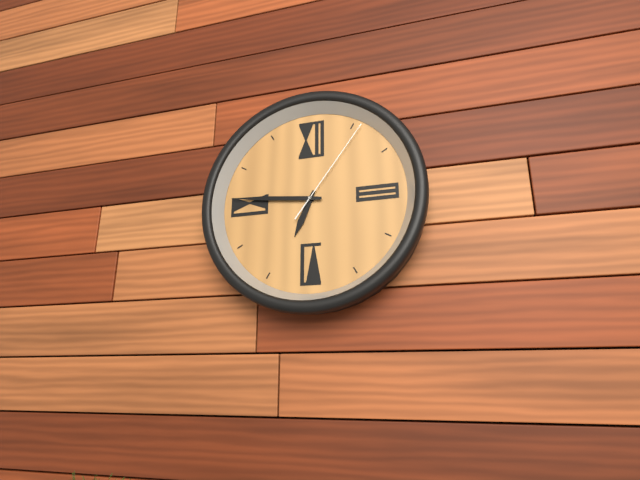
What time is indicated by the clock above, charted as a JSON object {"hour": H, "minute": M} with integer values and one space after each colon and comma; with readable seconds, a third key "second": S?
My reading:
{"hour": 6, "minute": 46, "second": 6}
